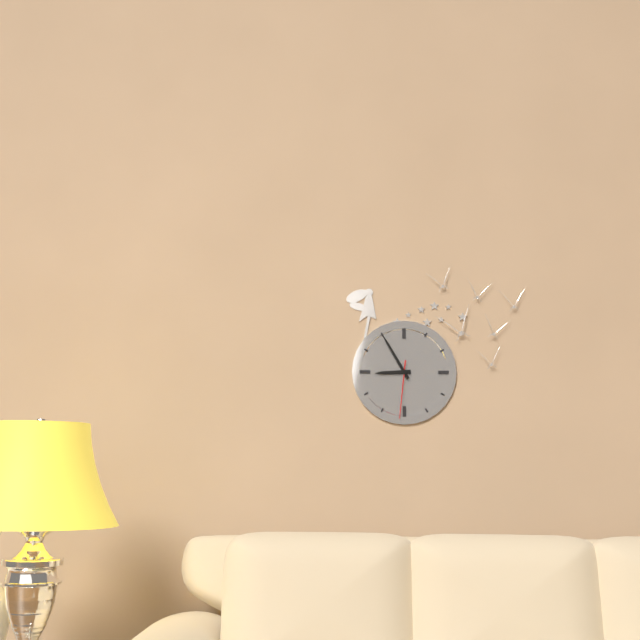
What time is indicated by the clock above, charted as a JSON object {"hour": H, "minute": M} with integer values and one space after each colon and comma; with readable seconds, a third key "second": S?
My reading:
{"hour": 8, "minute": 55, "second": 31}
